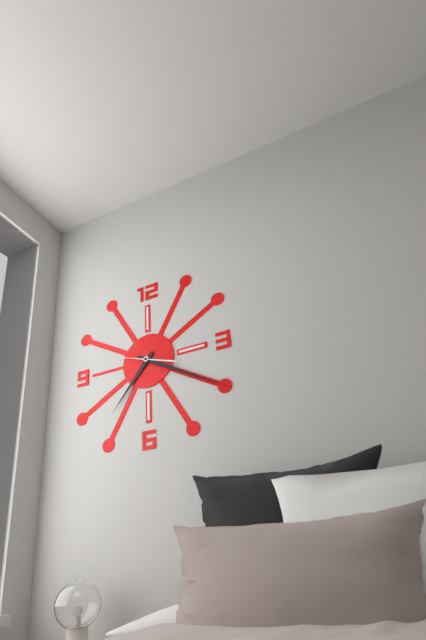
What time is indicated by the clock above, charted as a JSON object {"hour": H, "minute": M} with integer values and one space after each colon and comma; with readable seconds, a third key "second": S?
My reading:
{"hour": 7, "minute": 20}
